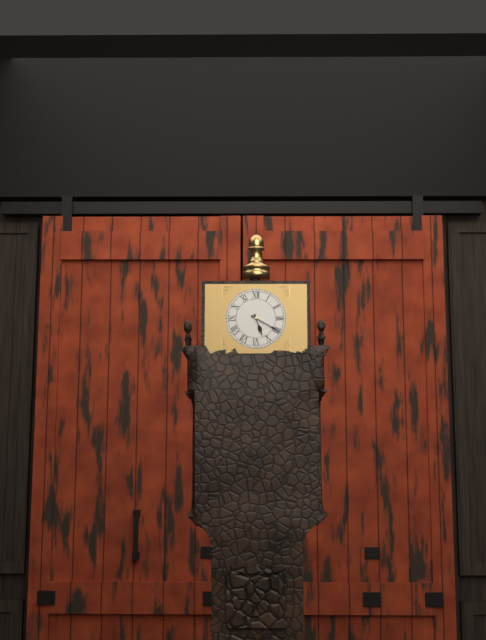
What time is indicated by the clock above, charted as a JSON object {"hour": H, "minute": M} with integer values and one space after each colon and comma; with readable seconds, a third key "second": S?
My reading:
{"hour": 5, "minute": 20}
